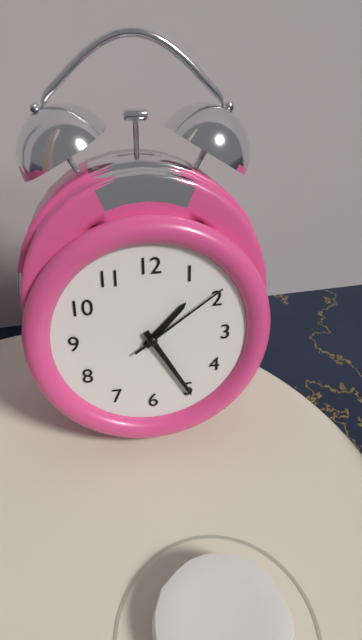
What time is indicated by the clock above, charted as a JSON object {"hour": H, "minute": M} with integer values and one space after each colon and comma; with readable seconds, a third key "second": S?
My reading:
{"hour": 1, "minute": 25, "second": 9}
